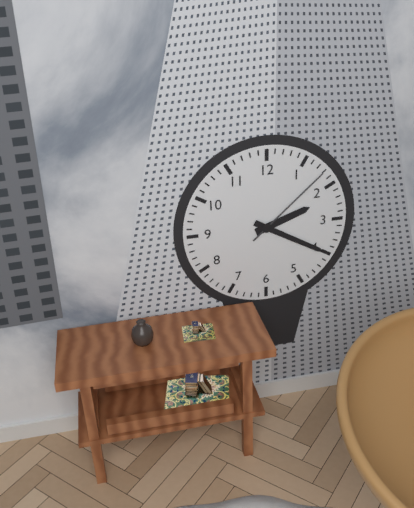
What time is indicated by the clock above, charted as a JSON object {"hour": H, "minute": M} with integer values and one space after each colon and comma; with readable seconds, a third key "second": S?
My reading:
{"hour": 2, "minute": 20, "second": 8}
